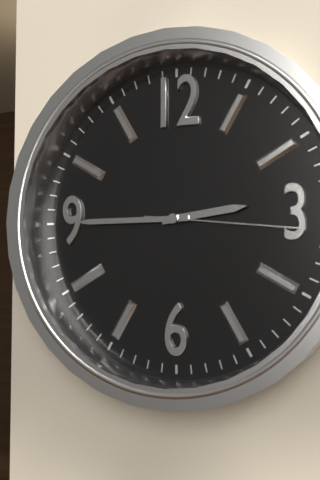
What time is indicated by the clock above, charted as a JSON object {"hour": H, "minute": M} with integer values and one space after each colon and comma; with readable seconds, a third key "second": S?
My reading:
{"hour": 2, "minute": 45, "second": 16}
